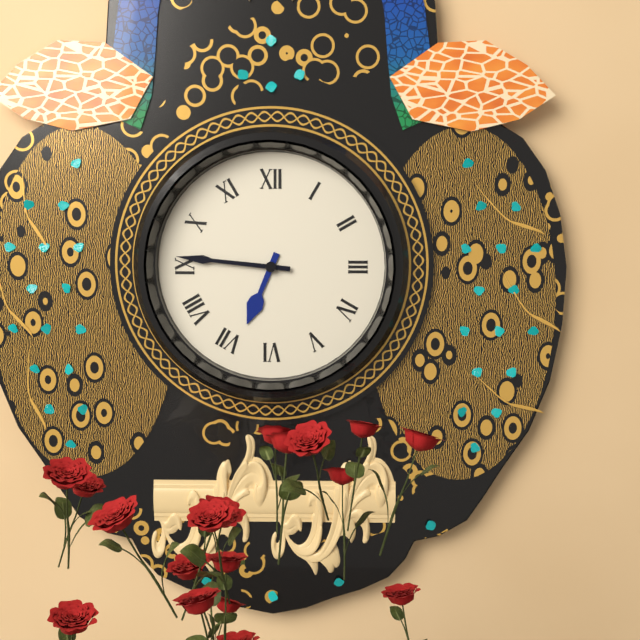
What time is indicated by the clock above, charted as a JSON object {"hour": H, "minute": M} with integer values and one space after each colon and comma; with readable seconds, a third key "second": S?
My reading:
{"hour": 6, "minute": 46}
